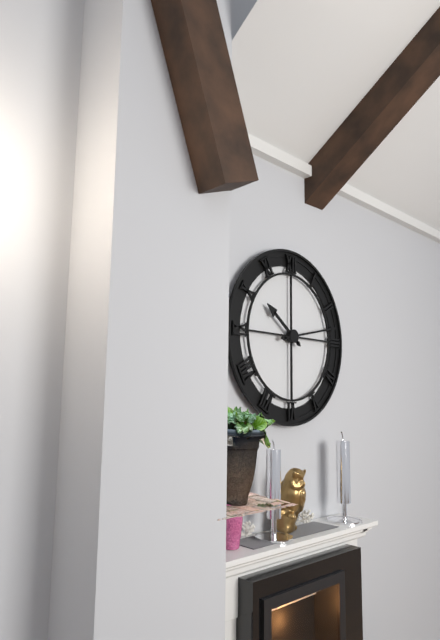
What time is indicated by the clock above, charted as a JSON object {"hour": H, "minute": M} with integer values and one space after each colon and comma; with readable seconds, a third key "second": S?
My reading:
{"hour": 10, "minute": 13}
